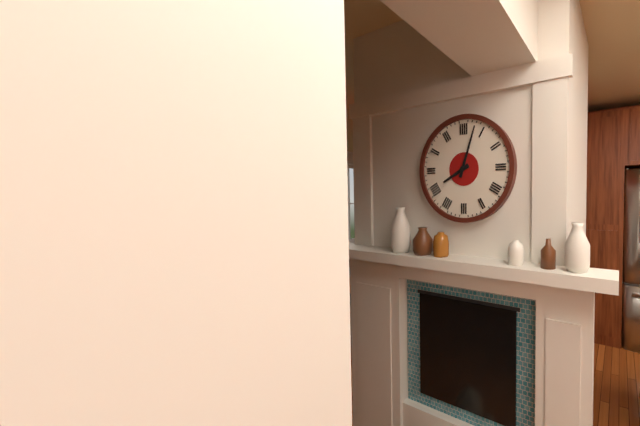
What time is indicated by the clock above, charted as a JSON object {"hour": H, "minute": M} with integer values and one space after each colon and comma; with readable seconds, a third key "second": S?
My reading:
{"hour": 8, "minute": 3}
